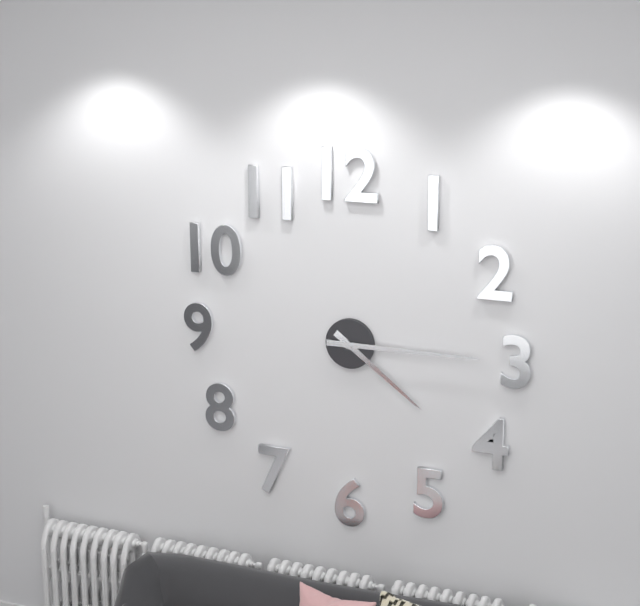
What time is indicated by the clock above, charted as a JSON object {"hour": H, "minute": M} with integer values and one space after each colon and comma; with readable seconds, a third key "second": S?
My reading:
{"hour": 4, "minute": 15}
